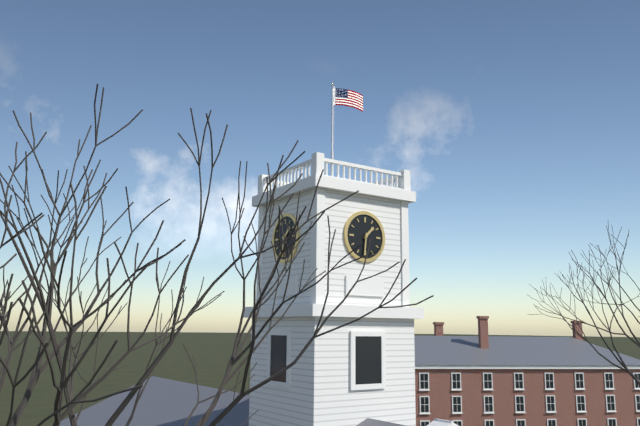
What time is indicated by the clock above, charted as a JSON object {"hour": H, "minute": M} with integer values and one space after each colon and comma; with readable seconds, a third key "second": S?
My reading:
{"hour": 1, "minute": 31}
